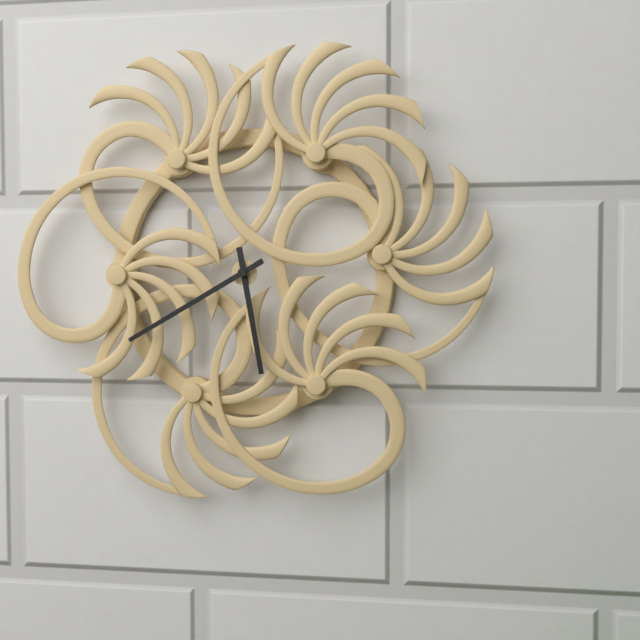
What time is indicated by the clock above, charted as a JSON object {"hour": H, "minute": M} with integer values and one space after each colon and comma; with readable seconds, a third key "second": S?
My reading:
{"hour": 5, "minute": 40}
